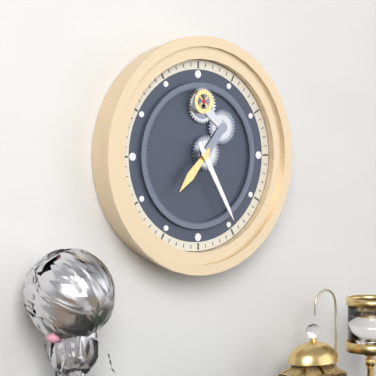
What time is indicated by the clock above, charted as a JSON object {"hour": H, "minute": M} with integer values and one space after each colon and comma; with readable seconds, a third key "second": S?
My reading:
{"hour": 7, "minute": 25}
